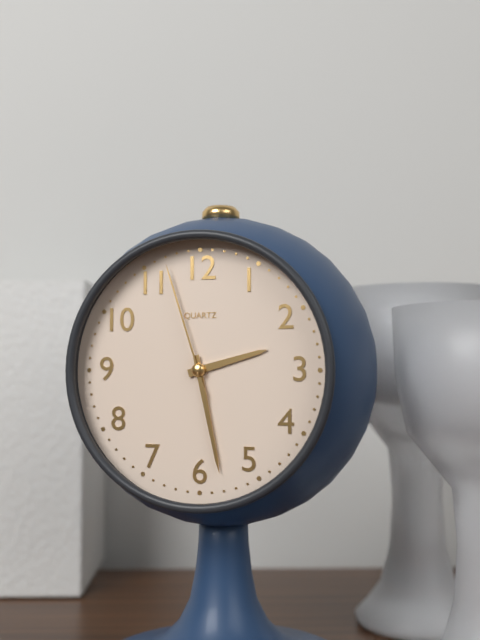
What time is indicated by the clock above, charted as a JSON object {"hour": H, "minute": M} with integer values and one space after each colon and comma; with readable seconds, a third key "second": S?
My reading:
{"hour": 2, "minute": 28, "second": 57}
